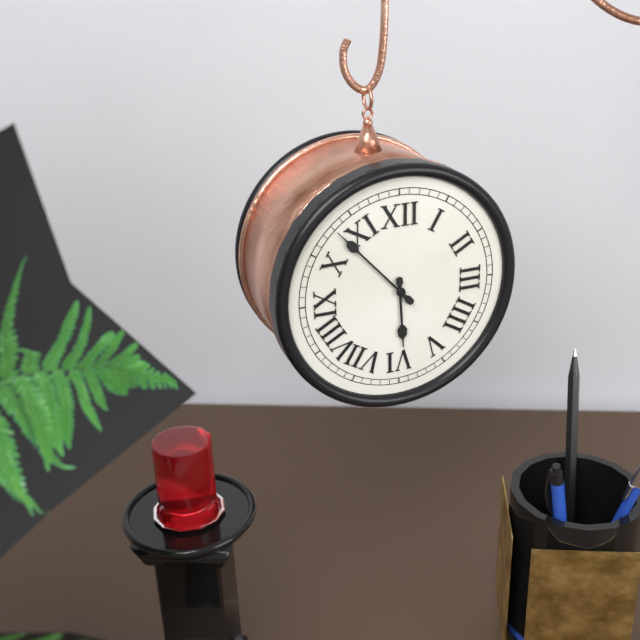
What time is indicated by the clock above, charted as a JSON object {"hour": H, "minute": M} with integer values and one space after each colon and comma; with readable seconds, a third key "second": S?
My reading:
{"hour": 5, "minute": 53}
